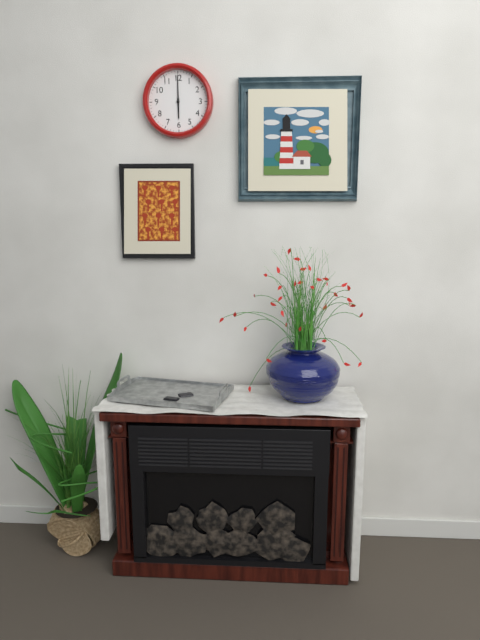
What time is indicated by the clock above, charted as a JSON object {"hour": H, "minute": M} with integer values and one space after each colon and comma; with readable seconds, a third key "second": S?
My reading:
{"hour": 6, "minute": 0}
